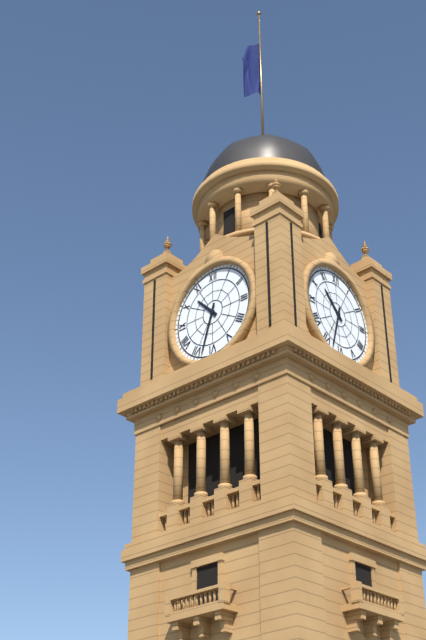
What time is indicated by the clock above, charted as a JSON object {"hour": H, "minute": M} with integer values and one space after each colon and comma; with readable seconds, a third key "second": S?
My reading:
{"hour": 10, "minute": 33}
